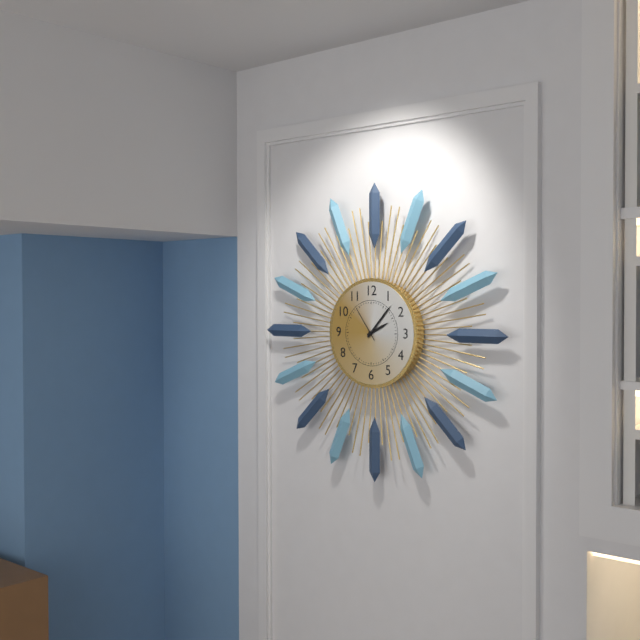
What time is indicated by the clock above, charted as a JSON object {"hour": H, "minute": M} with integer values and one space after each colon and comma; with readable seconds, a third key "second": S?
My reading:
{"hour": 2, "minute": 7}
